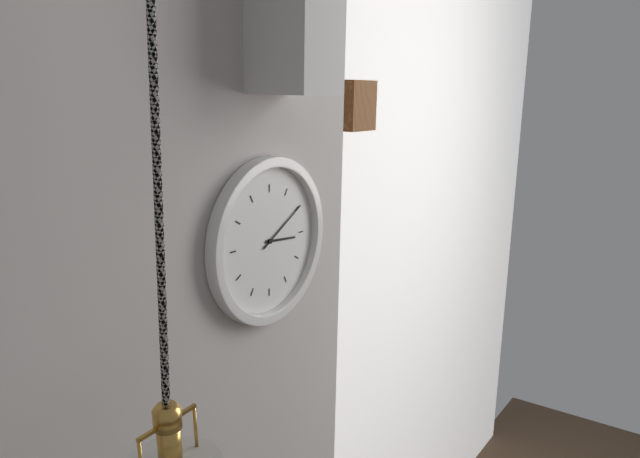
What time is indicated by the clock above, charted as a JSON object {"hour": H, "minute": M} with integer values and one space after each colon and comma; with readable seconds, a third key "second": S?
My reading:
{"hour": 3, "minute": 10}
